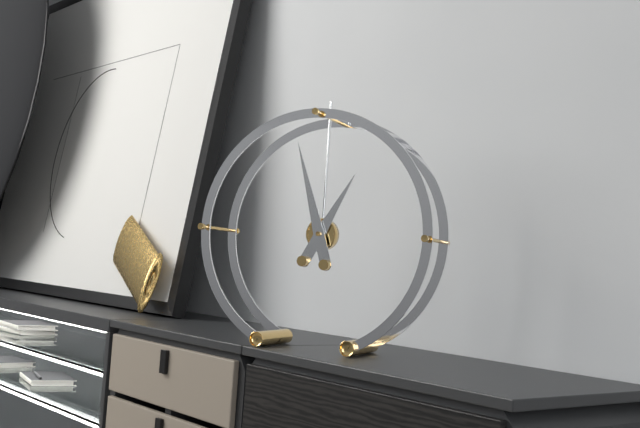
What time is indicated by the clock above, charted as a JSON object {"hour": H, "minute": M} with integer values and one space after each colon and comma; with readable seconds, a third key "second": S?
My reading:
{"hour": 12, "minute": 57}
